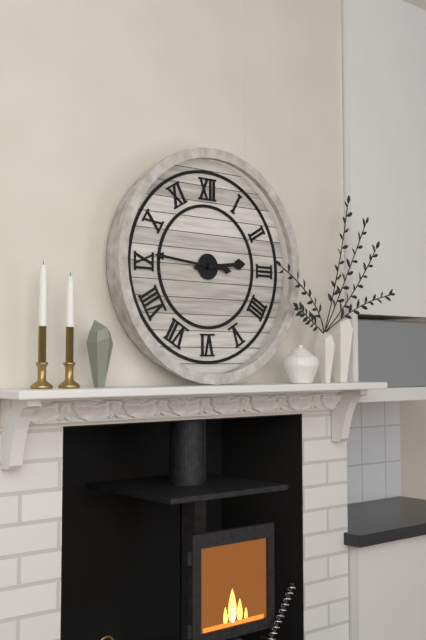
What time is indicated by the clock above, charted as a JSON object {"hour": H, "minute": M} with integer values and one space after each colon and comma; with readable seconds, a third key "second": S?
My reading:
{"hour": 2, "minute": 46}
